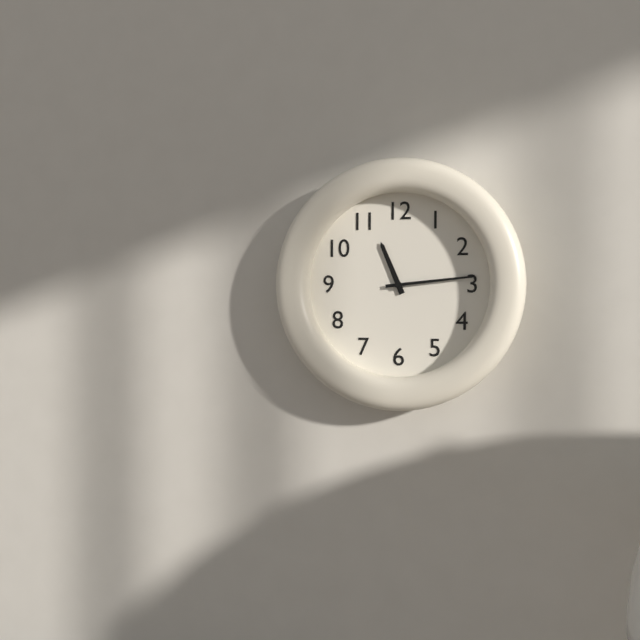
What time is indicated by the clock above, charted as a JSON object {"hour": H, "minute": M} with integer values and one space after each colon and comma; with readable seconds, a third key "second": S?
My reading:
{"hour": 11, "minute": 14}
